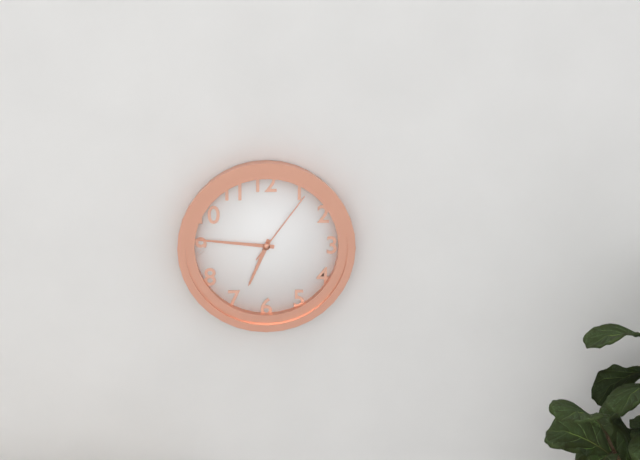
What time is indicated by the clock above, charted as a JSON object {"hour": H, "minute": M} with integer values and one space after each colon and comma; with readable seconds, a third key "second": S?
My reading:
{"hour": 6, "minute": 46, "second": 6}
